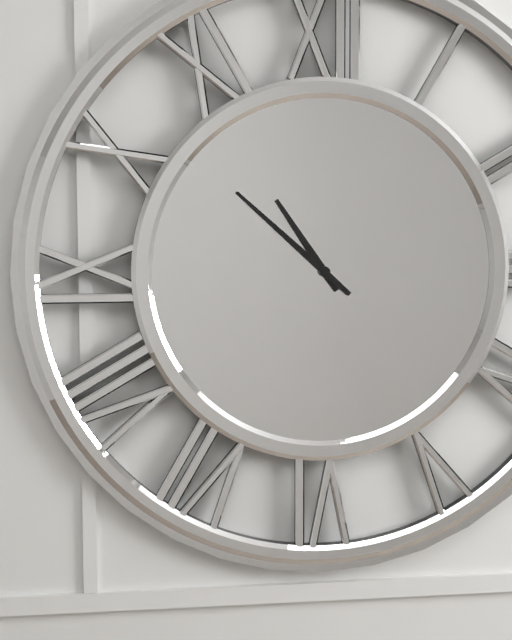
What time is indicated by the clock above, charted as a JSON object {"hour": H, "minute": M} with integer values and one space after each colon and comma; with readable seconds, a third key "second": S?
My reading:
{"hour": 10, "minute": 52}
